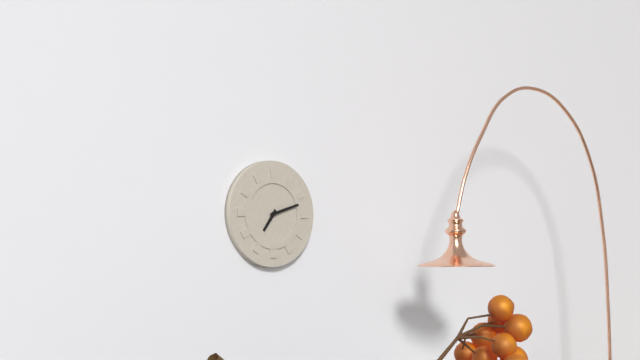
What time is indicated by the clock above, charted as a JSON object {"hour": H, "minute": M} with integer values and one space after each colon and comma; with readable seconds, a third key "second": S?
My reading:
{"hour": 7, "minute": 12}
